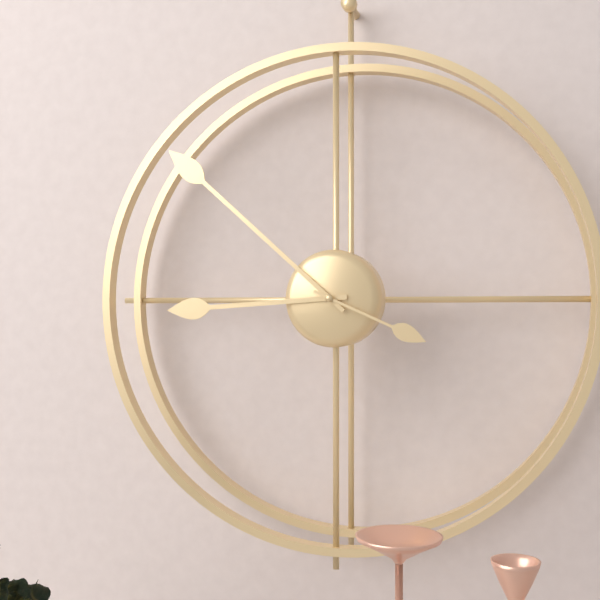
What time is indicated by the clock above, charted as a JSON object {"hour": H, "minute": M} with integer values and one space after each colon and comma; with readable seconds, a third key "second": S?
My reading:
{"hour": 8, "minute": 52, "second": 19}
